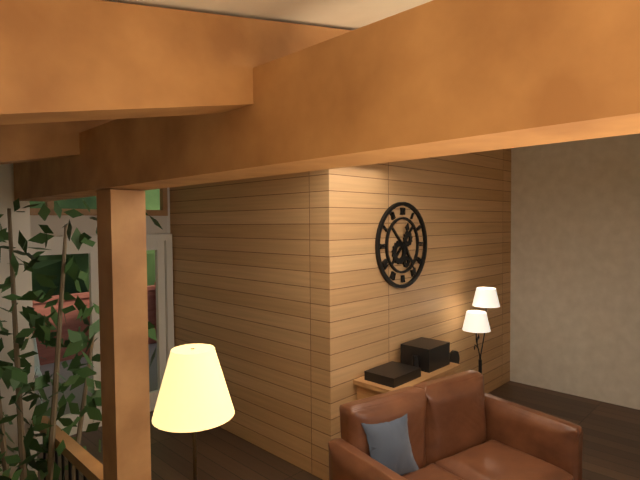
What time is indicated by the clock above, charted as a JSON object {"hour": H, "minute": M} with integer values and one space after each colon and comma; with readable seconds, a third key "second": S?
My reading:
{"hour": 12, "minute": 25}
